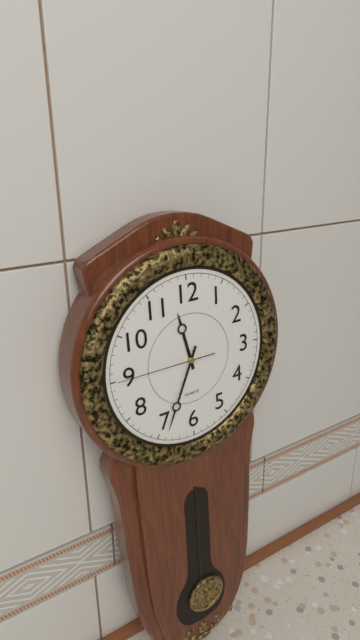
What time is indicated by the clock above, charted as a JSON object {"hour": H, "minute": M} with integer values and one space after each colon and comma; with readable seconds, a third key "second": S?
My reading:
{"hour": 11, "minute": 34, "second": 45}
